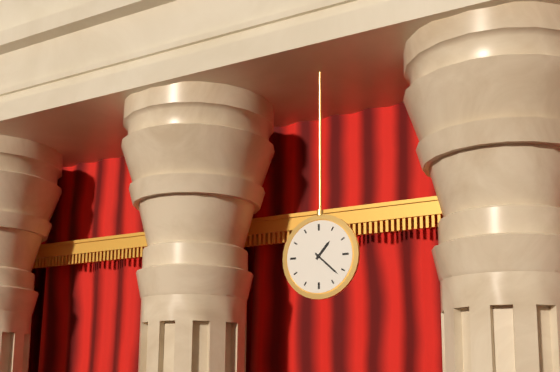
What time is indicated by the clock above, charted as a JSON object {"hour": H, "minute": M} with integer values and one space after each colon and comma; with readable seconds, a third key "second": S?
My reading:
{"hour": 1, "minute": 22}
